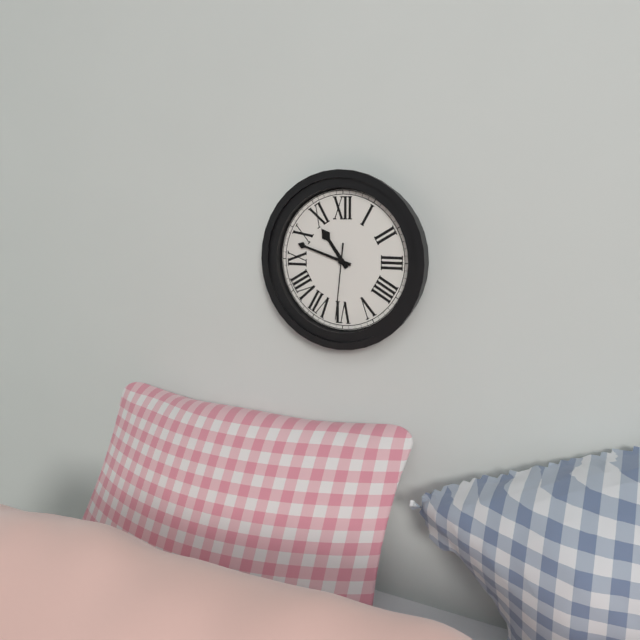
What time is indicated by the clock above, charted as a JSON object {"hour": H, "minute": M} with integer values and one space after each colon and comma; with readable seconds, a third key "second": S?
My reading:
{"hour": 10, "minute": 48, "second": 31}
